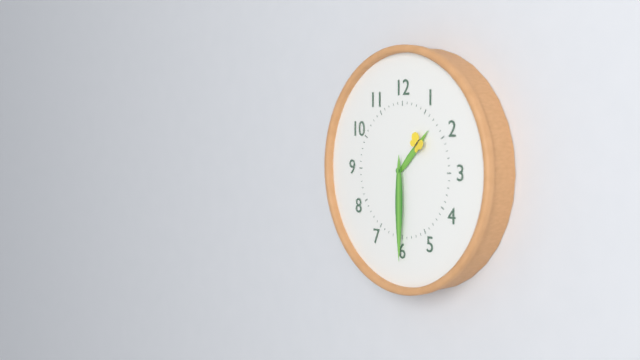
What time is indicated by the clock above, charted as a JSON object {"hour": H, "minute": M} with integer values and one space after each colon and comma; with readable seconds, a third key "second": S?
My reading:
{"hour": 1, "minute": 30}
